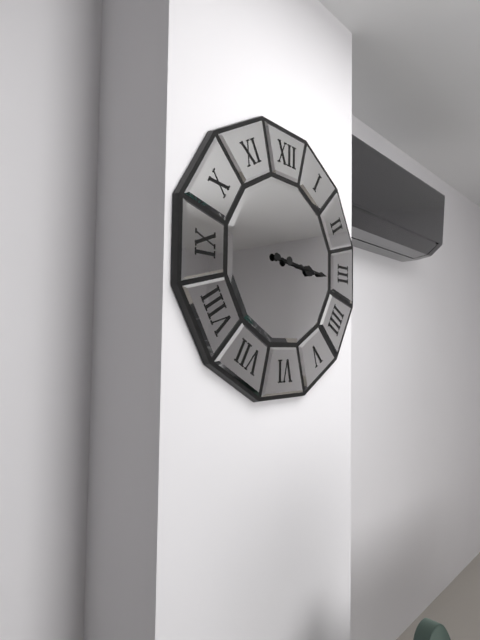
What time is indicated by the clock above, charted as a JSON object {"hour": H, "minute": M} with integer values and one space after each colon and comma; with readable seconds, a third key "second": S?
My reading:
{"hour": 3, "minute": 16}
